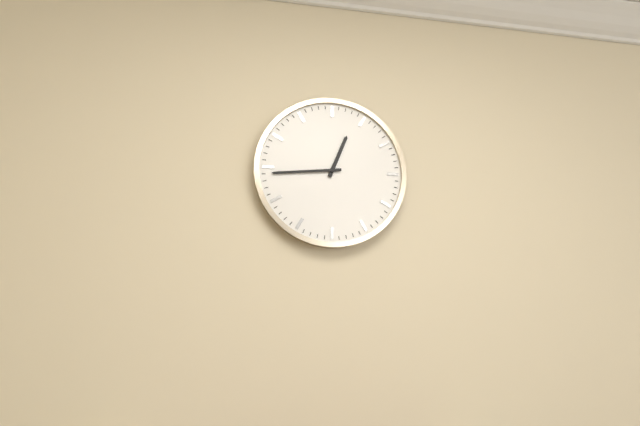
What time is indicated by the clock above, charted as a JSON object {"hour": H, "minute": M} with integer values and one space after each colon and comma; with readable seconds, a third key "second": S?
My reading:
{"hour": 12, "minute": 44}
